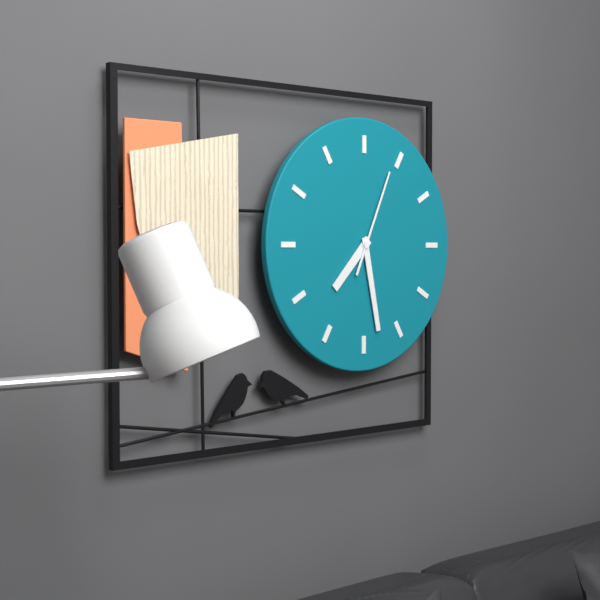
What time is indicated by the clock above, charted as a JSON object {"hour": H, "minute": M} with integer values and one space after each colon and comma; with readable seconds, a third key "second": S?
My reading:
{"hour": 7, "minute": 28, "second": 4}
